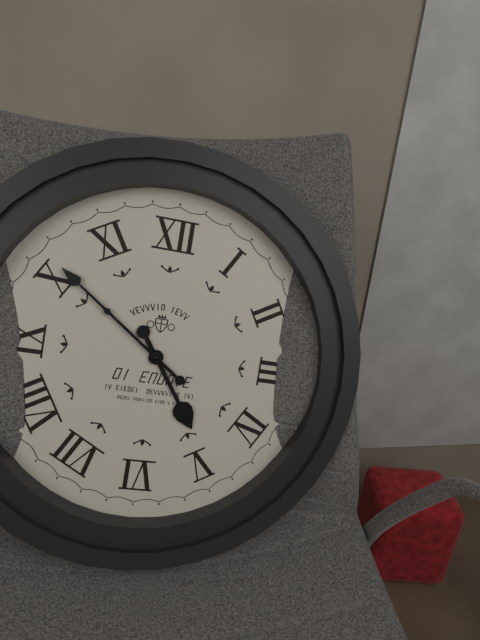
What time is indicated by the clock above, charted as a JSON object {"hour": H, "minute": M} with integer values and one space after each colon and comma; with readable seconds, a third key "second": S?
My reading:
{"hour": 4, "minute": 51}
